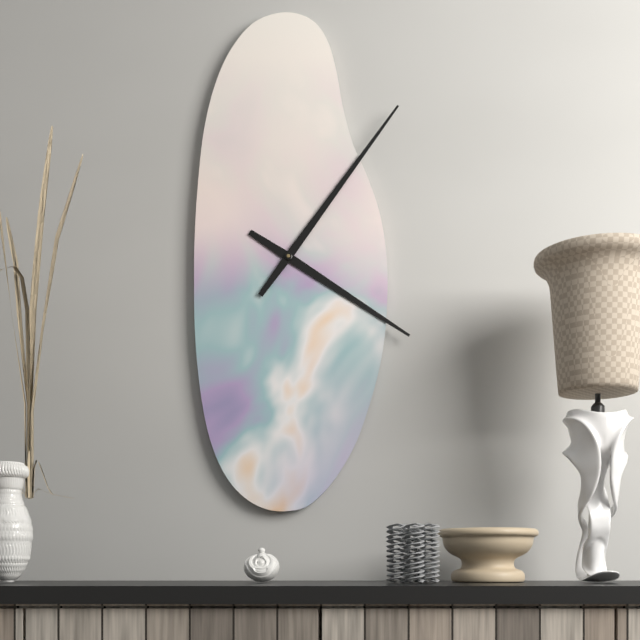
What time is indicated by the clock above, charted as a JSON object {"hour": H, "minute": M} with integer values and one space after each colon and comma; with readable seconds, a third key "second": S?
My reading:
{"hour": 4, "minute": 6}
